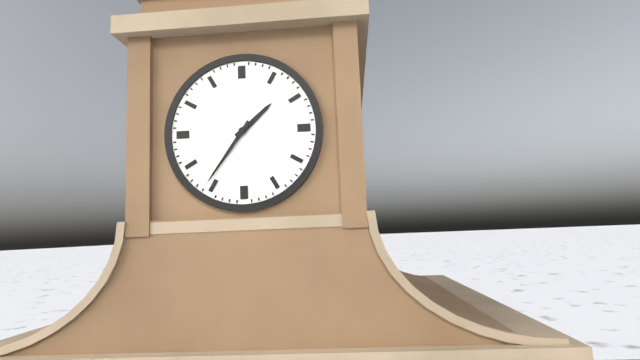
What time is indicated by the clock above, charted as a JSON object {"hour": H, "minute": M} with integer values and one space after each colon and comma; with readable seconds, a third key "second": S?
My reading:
{"hour": 1, "minute": 36}
